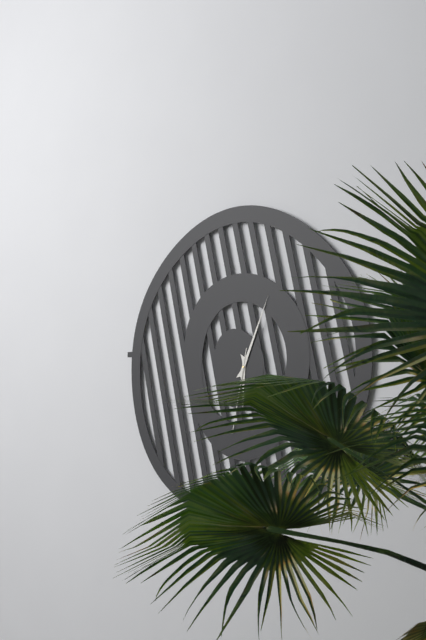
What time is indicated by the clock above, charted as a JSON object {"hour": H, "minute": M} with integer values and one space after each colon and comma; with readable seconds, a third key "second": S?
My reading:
{"hour": 6, "minute": 4, "second": 32}
